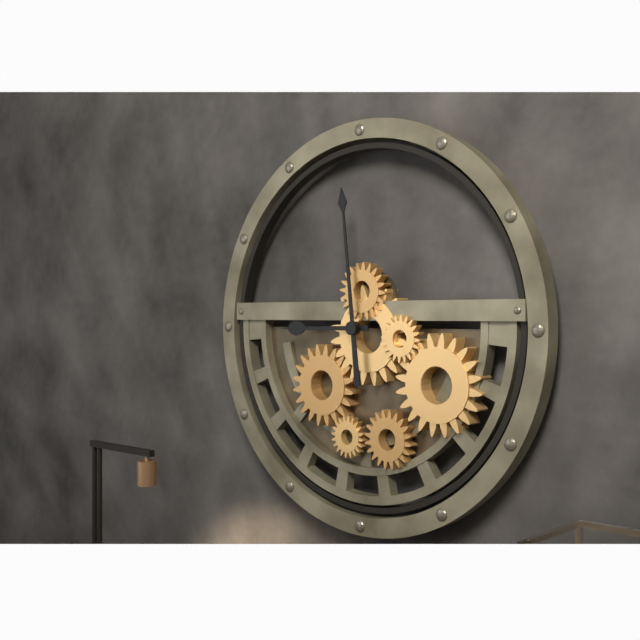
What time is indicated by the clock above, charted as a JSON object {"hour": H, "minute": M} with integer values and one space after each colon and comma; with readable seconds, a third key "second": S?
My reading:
{"hour": 8, "minute": 59}
